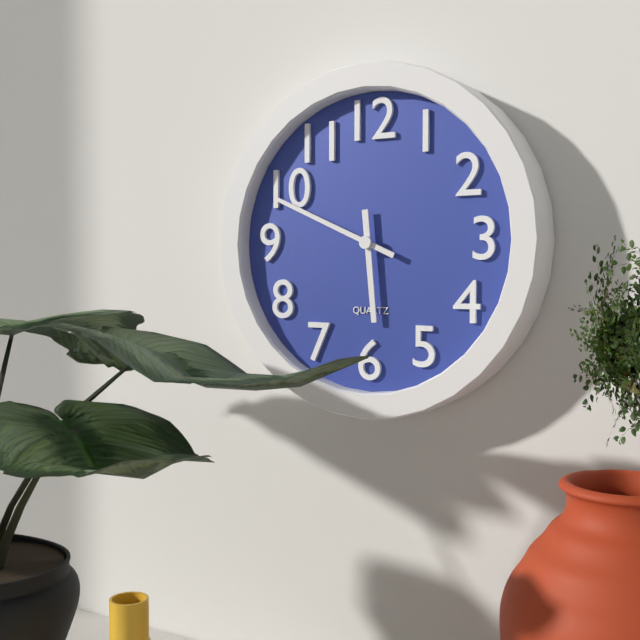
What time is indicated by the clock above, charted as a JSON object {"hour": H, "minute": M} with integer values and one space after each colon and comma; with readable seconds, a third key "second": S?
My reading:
{"hour": 5, "minute": 49}
